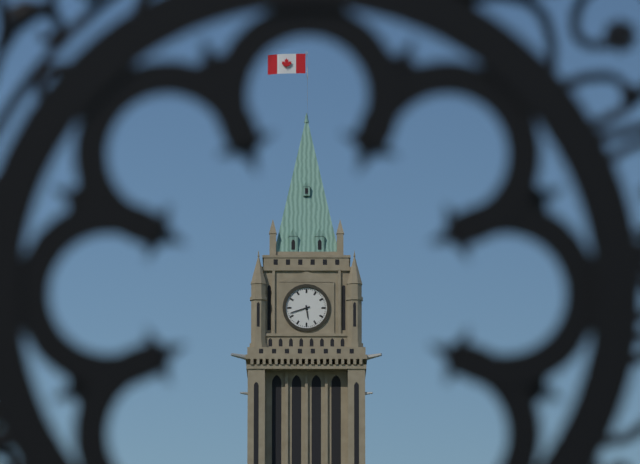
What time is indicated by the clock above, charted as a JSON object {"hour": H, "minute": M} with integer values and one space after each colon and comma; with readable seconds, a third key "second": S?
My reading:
{"hour": 5, "minute": 42}
